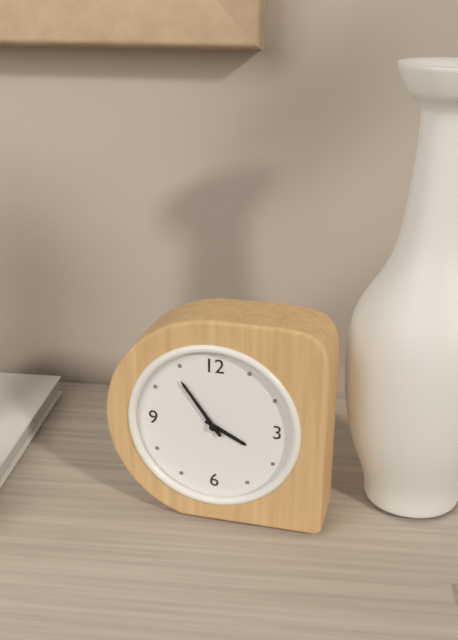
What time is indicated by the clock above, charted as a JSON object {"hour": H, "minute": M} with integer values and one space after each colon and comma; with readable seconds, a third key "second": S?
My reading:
{"hour": 3, "minute": 54}
